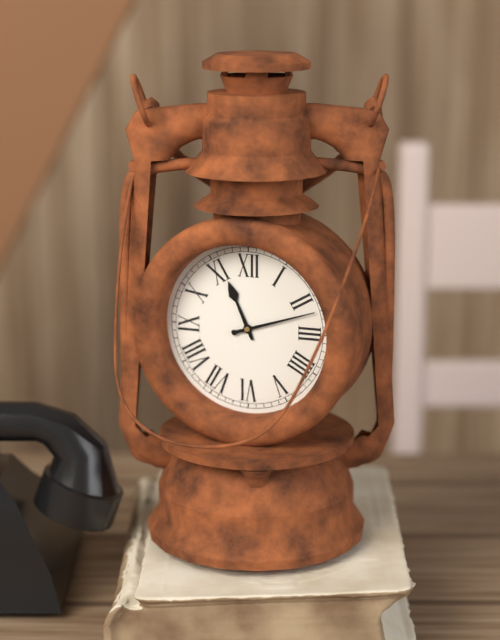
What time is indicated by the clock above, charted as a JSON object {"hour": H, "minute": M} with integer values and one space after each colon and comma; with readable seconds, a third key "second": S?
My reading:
{"hour": 11, "minute": 12}
